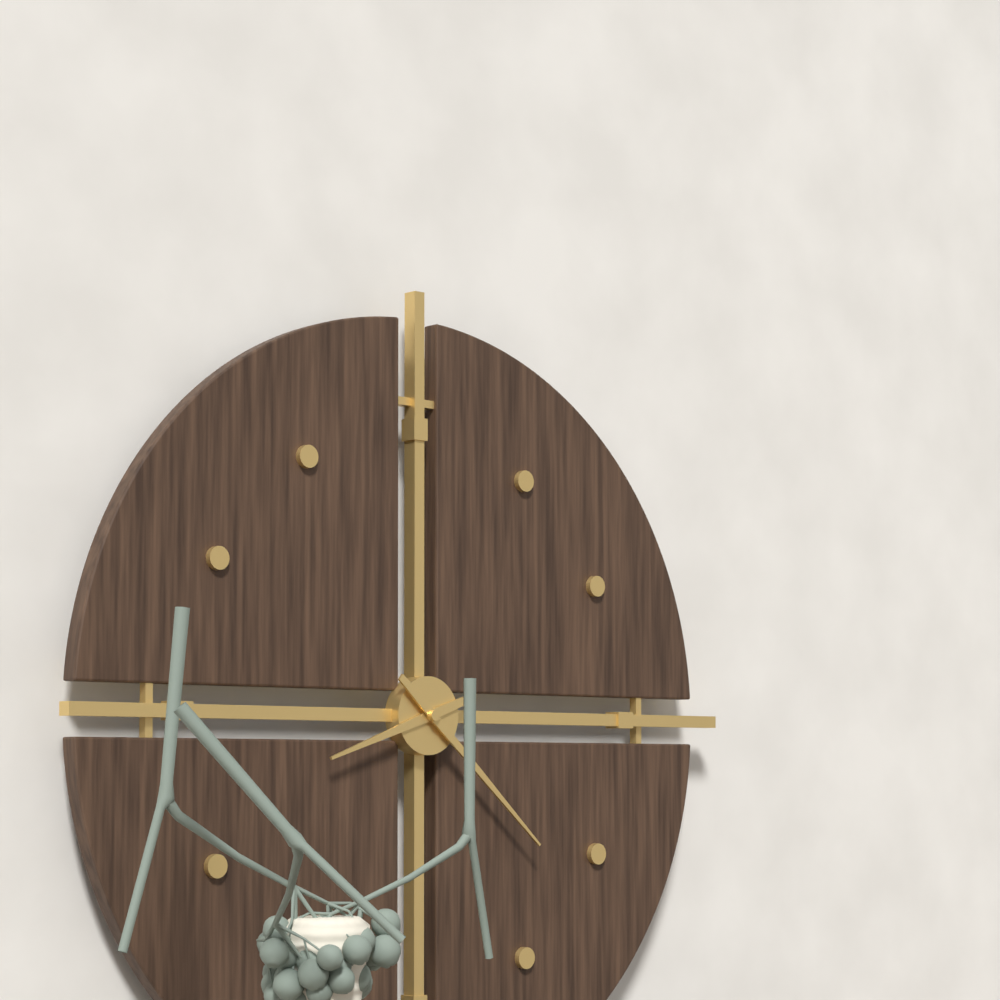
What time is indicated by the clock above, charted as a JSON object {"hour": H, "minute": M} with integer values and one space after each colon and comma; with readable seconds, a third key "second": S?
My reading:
{"hour": 8, "minute": 22}
